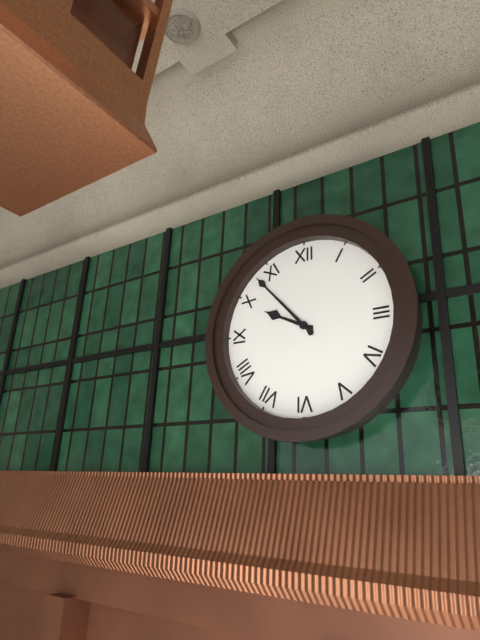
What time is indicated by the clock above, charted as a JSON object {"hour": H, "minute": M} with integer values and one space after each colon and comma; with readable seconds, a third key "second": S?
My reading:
{"hour": 9, "minute": 53}
